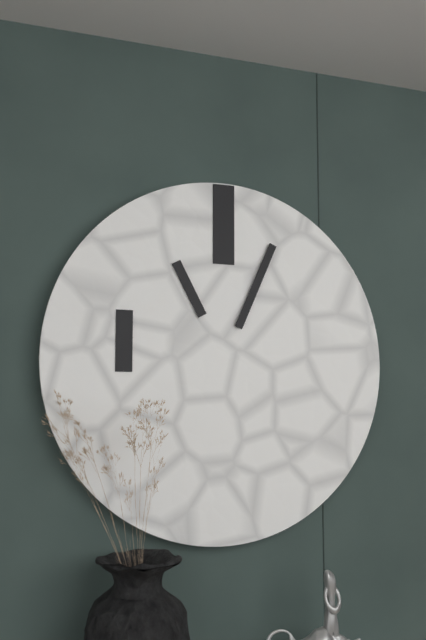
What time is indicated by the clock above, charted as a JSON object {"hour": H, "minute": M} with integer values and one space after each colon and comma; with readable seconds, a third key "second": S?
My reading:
{"hour": 11, "minute": 4}
